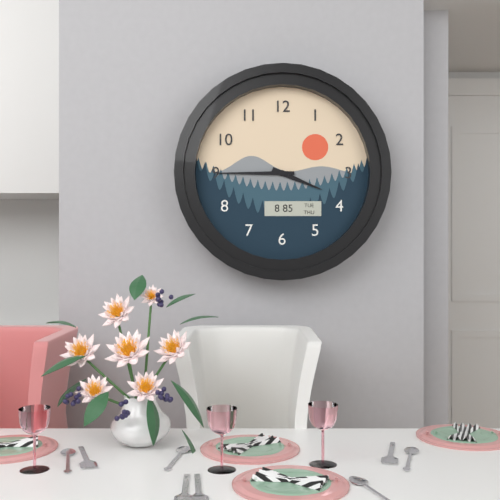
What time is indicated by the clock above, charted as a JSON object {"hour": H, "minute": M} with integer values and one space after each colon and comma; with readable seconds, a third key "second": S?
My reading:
{"hour": 3, "minute": 45}
